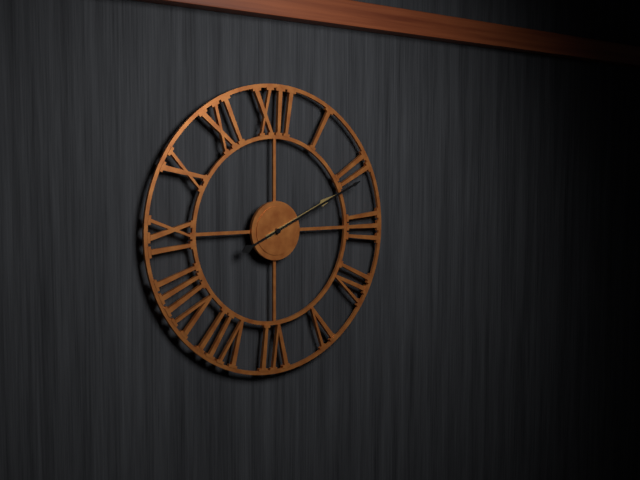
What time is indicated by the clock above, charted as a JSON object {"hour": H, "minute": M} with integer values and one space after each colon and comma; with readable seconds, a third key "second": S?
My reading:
{"hour": 2, "minute": 11}
